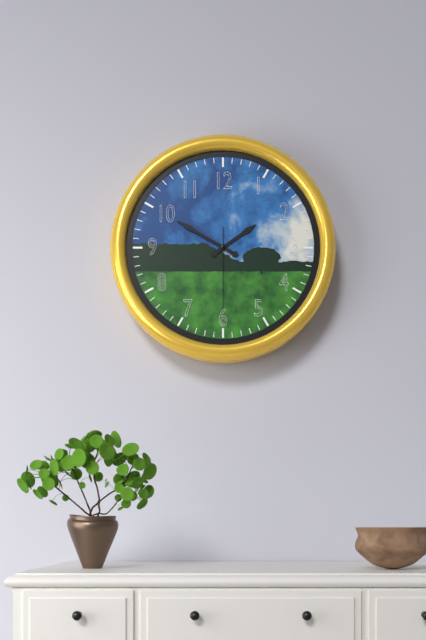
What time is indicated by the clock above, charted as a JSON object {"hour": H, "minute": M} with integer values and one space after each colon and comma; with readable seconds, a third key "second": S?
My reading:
{"hour": 1, "minute": 50, "second": 30}
